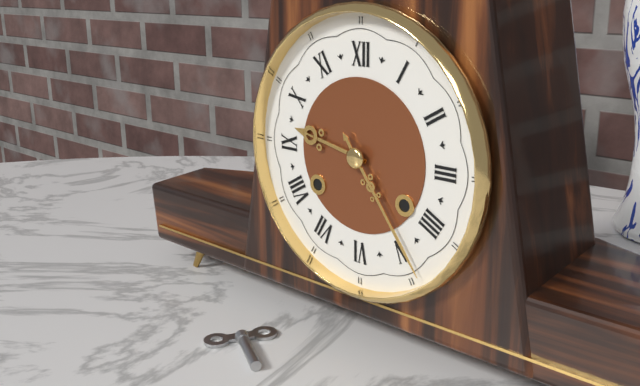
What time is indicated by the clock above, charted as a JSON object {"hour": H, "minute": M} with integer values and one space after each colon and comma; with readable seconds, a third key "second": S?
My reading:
{"hour": 9, "minute": 24}
